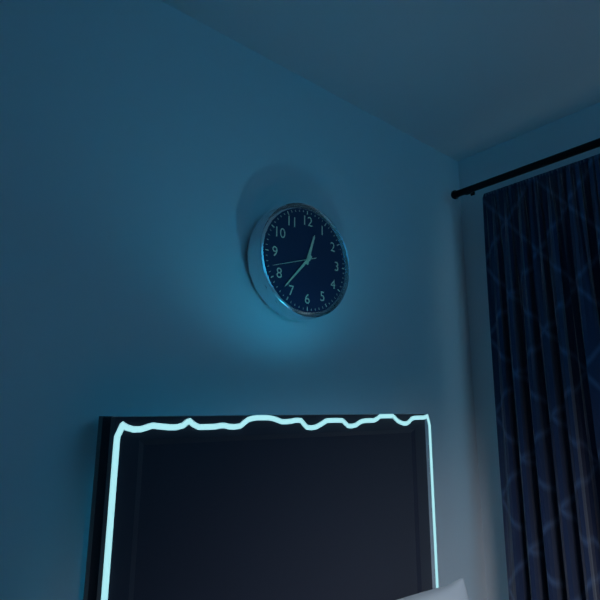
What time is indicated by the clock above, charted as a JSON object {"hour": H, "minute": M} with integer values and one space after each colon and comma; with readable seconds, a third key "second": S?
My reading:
{"hour": 12, "minute": 37}
